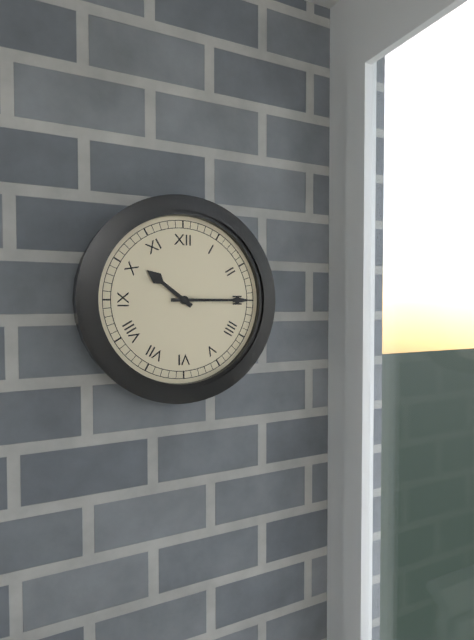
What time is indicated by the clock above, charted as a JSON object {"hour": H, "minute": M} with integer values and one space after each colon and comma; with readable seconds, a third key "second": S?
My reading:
{"hour": 10, "minute": 15}
